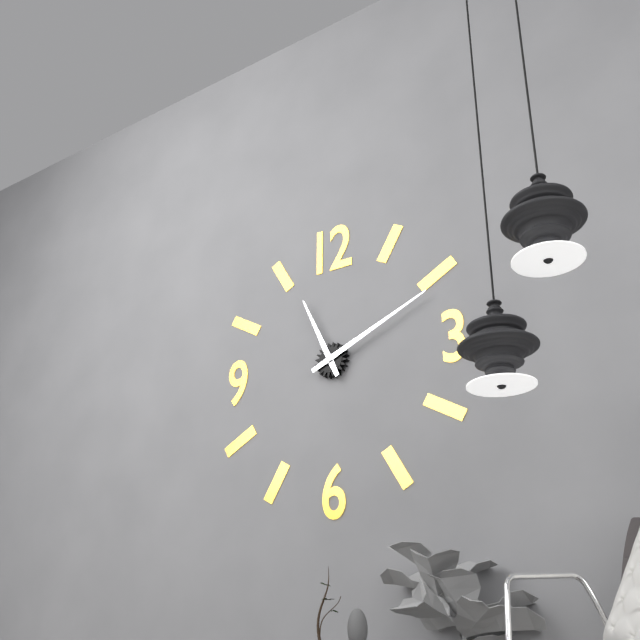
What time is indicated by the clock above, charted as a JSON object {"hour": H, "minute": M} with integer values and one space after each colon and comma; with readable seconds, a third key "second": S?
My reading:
{"hour": 11, "minute": 11}
